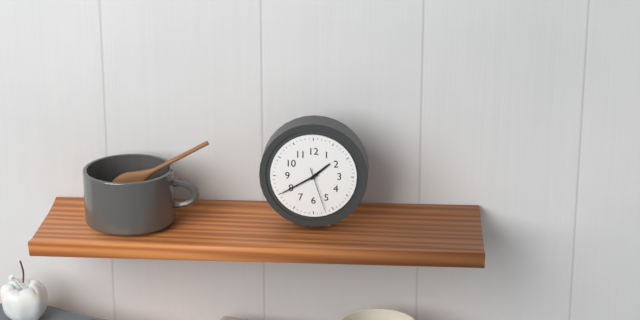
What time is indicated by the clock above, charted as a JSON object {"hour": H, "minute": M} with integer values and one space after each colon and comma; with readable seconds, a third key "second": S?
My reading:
{"hour": 1, "minute": 40}
